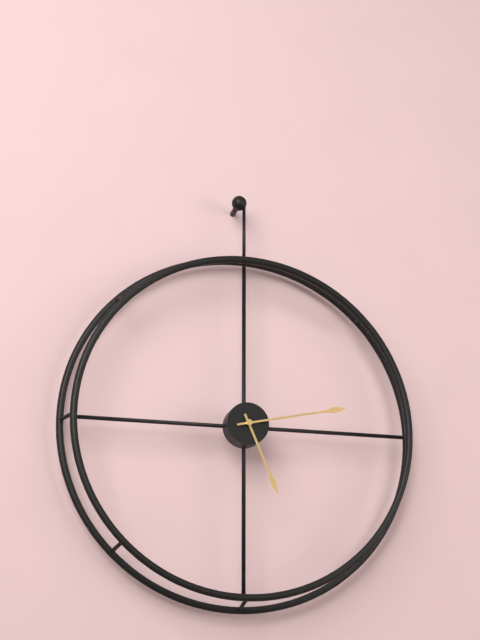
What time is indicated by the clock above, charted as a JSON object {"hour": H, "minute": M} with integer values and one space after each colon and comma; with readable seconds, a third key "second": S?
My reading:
{"hour": 5, "minute": 13}
